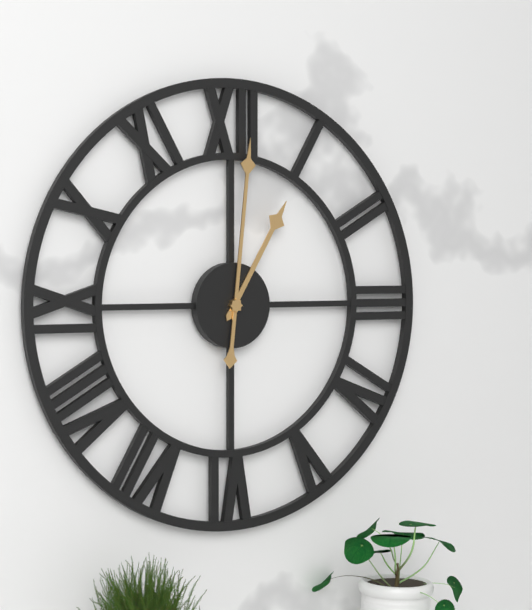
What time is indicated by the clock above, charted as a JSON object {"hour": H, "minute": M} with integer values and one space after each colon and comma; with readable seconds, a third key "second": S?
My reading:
{"hour": 1, "minute": 1}
